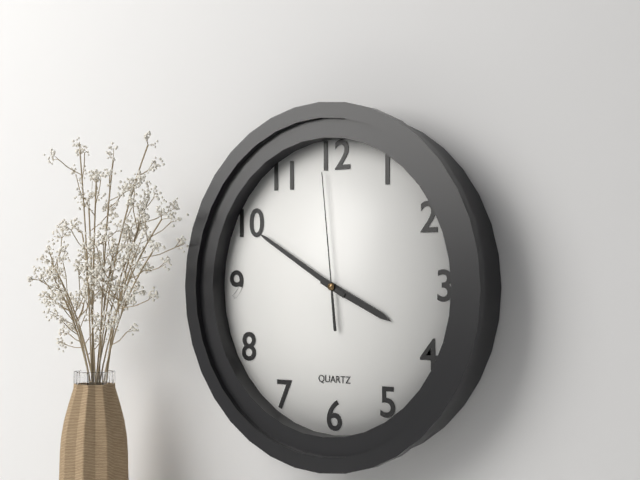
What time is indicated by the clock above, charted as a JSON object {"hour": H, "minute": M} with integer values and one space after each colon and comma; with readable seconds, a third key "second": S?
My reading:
{"hour": 3, "minute": 50, "second": 59}
